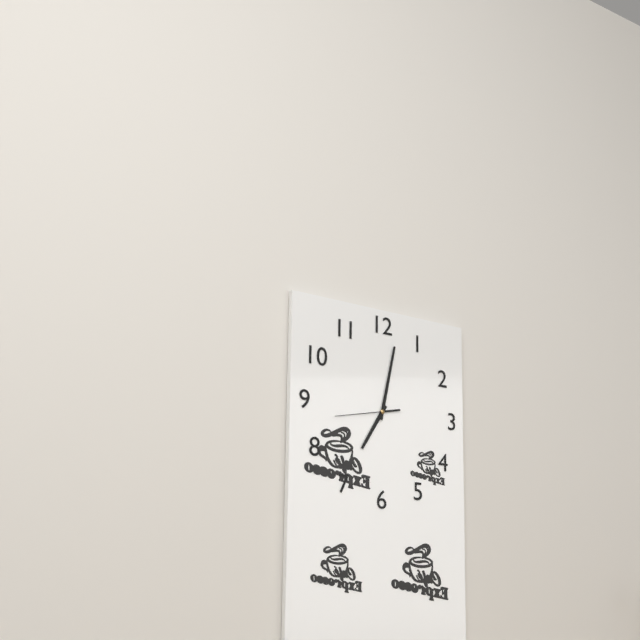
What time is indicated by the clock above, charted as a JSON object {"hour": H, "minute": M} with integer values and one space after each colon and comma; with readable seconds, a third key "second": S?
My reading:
{"hour": 7, "minute": 2, "second": 43}
